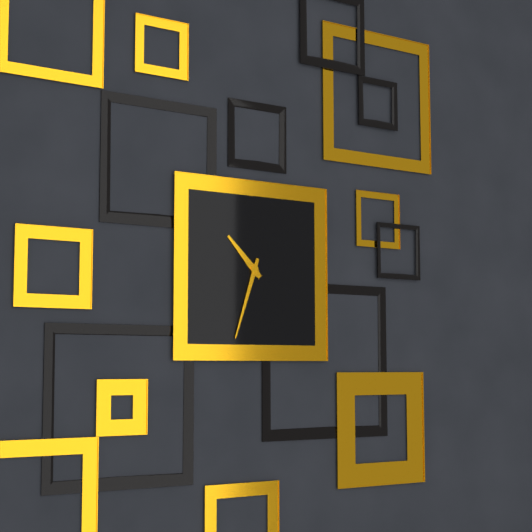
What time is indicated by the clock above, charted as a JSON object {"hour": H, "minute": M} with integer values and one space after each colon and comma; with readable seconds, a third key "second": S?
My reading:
{"hour": 10, "minute": 33}
